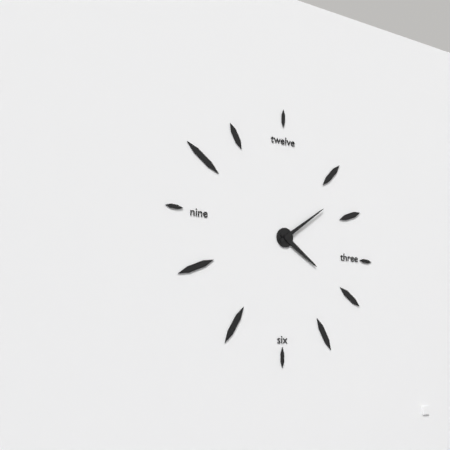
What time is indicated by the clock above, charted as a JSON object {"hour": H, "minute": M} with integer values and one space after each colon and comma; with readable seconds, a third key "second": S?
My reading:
{"hour": 4, "minute": 9}
